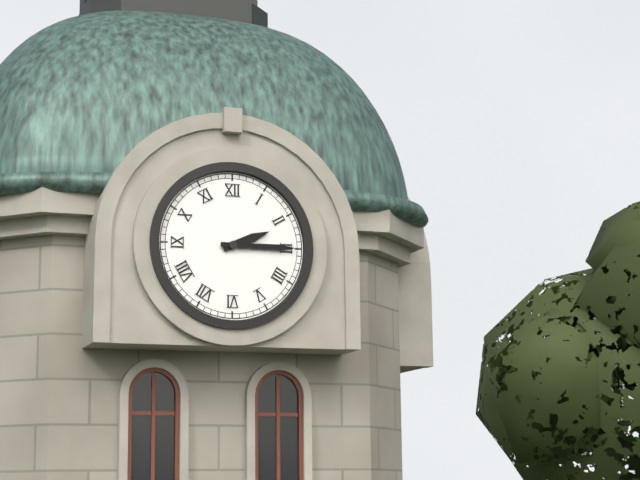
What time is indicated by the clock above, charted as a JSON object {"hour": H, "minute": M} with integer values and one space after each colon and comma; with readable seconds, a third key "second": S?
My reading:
{"hour": 2, "minute": 15}
